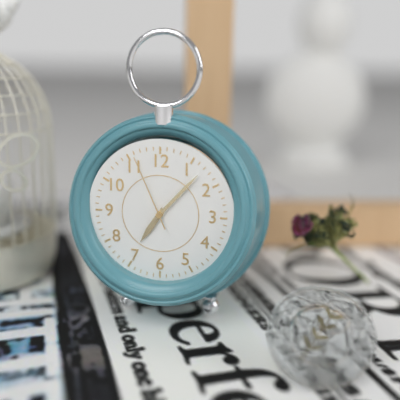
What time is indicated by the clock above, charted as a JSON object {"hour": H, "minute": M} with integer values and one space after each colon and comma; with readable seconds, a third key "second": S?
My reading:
{"hour": 7, "minute": 7, "second": 56}
